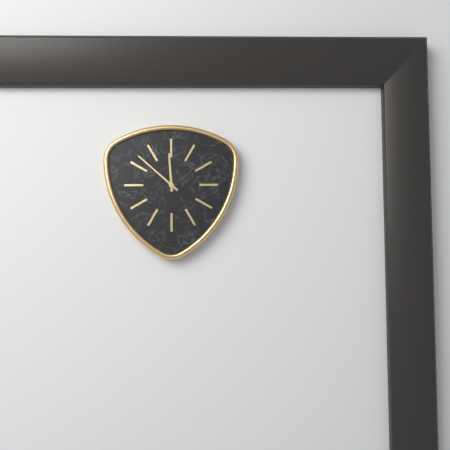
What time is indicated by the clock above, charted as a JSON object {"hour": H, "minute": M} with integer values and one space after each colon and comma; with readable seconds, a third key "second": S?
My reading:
{"hour": 11, "minute": 52}
